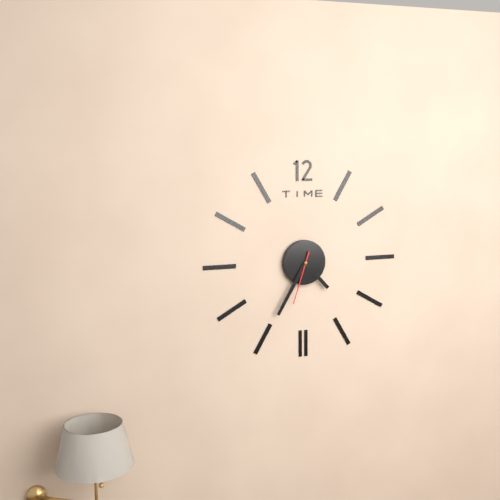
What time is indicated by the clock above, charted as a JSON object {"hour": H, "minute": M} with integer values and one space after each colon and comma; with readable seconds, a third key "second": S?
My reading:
{"hour": 4, "minute": 35, "second": 33}
